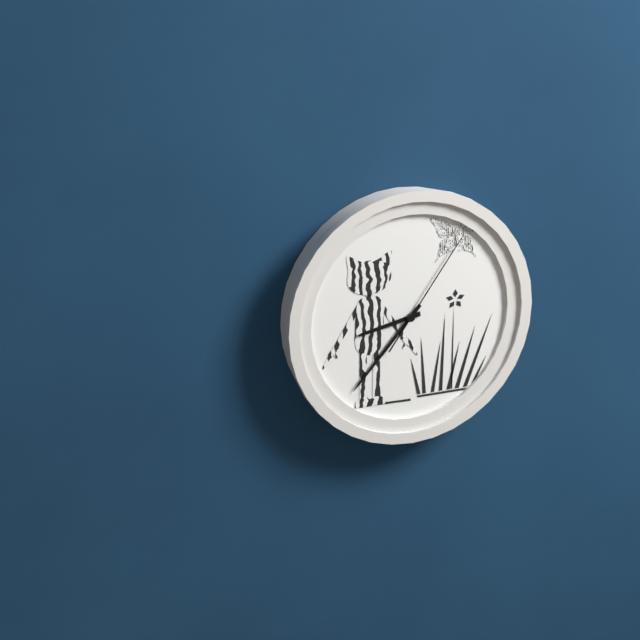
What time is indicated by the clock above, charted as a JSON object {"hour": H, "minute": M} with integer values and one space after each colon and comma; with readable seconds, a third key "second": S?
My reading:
{"hour": 8, "minute": 37, "second": 6}
